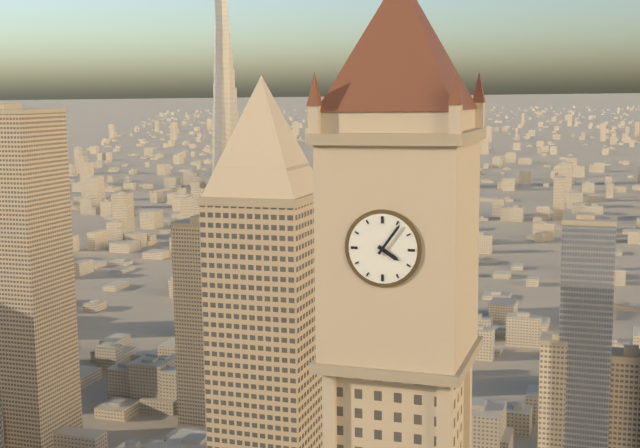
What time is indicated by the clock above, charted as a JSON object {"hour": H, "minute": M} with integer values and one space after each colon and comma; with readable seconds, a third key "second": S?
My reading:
{"hour": 4, "minute": 6}
